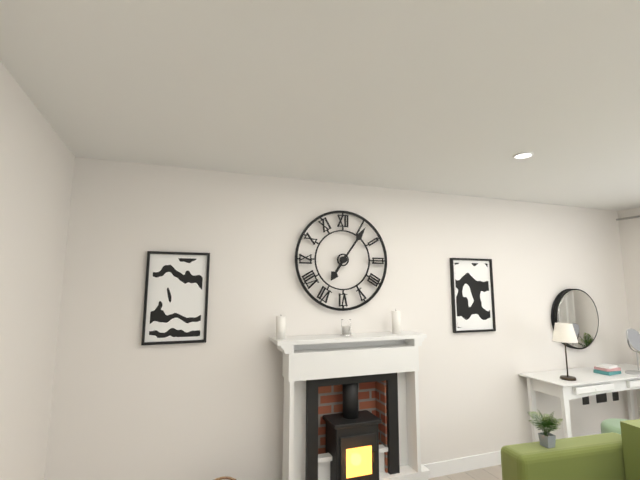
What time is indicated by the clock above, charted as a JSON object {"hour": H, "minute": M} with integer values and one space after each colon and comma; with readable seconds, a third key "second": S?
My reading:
{"hour": 7, "minute": 6}
